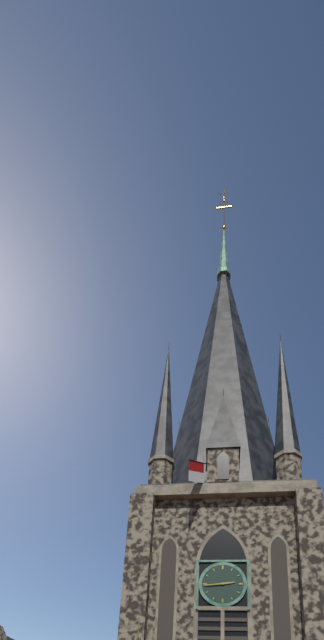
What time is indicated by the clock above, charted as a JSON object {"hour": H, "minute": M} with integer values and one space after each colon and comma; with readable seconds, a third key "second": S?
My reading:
{"hour": 2, "minute": 44}
